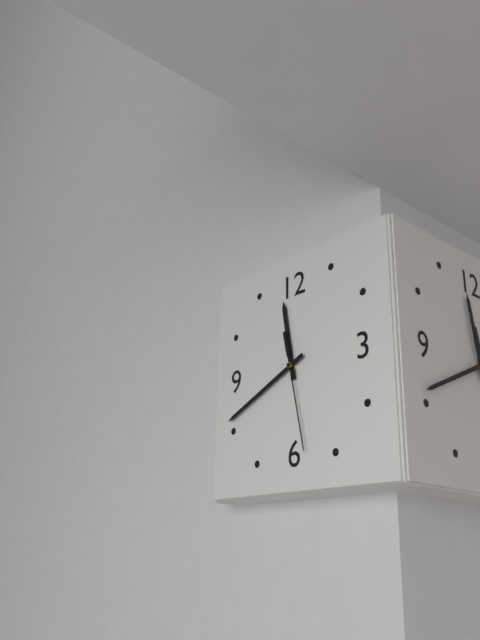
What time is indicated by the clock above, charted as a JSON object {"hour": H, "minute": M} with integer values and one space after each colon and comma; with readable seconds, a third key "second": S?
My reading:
{"hour": 11, "minute": 41, "second": 28}
